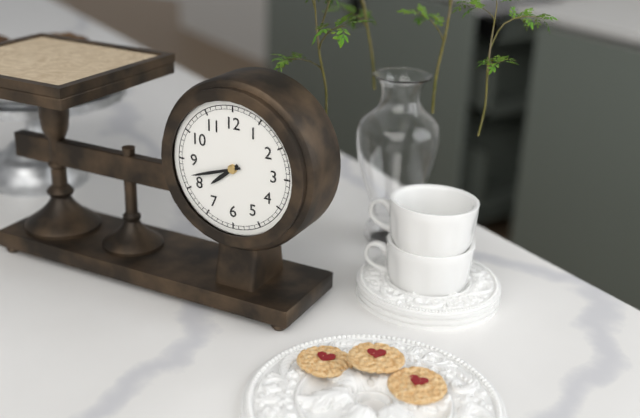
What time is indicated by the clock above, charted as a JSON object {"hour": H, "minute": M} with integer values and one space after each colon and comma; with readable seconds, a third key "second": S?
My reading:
{"hour": 7, "minute": 42}
